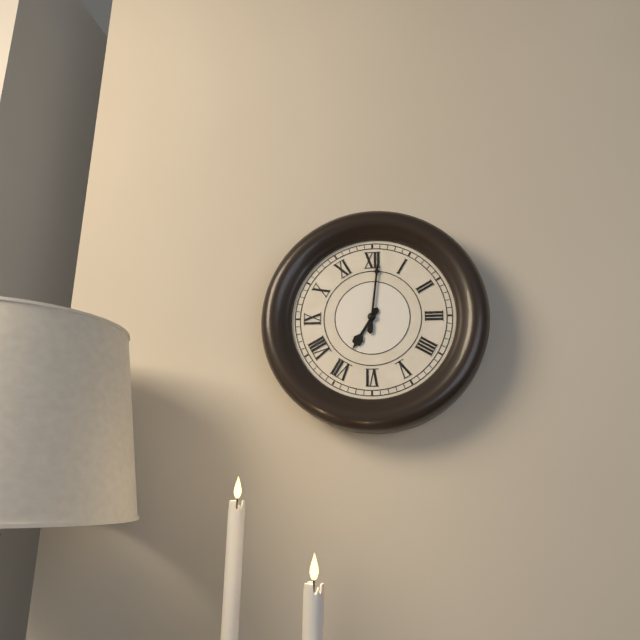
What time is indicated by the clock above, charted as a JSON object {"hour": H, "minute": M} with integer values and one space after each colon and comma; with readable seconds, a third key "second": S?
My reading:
{"hour": 7, "minute": 1}
